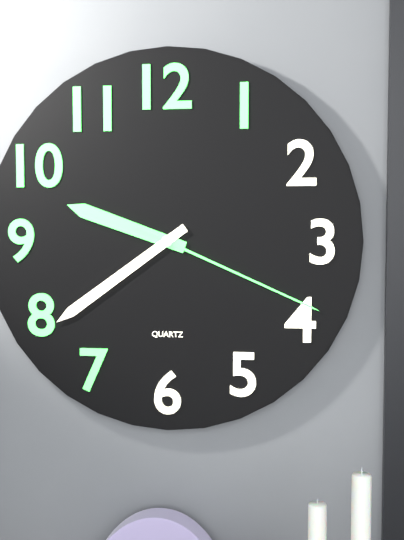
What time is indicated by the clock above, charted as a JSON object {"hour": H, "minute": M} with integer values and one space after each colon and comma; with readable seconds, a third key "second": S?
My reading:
{"hour": 9, "minute": 39, "second": 19}
